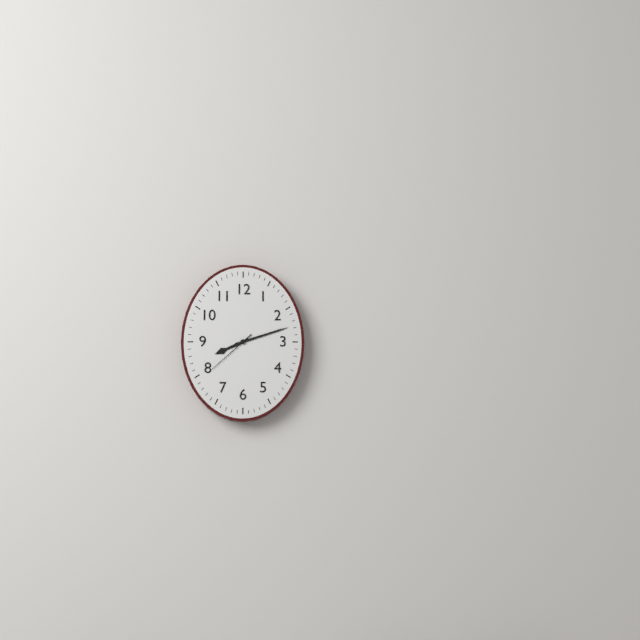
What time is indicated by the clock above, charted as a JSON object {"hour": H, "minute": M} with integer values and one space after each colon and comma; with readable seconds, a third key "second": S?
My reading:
{"hour": 8, "minute": 12, "second": 38}
